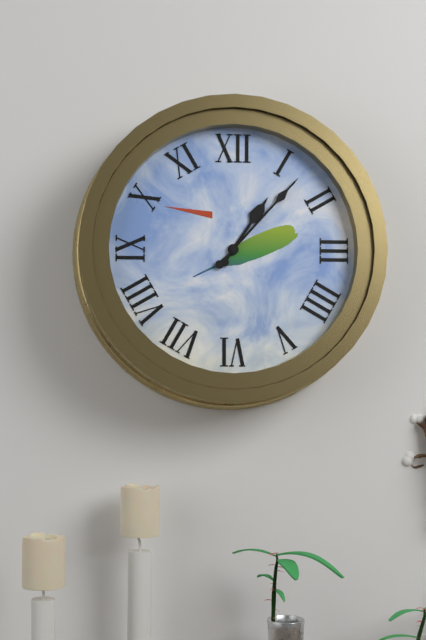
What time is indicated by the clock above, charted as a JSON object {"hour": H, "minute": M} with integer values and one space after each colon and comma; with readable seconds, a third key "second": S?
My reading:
{"hour": 1, "minute": 7}
